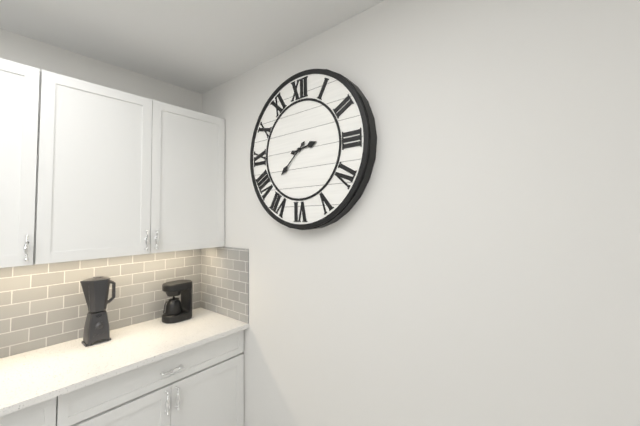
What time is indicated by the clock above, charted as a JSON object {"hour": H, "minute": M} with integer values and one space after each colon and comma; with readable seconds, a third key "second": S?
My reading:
{"hour": 2, "minute": 38}
